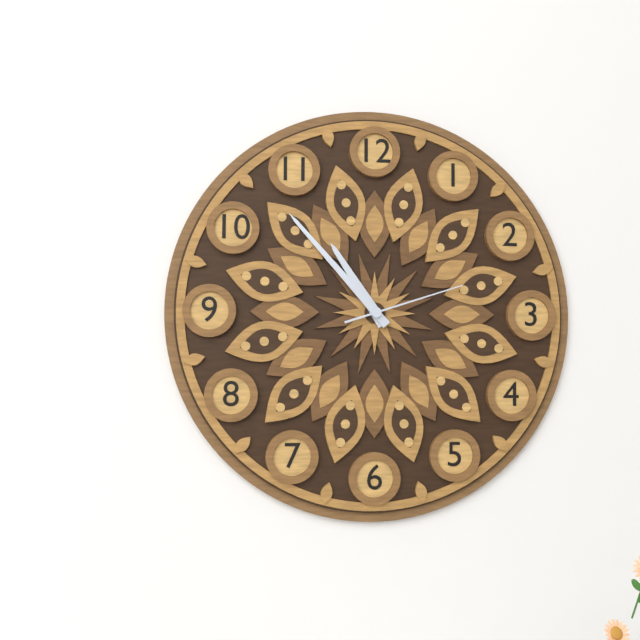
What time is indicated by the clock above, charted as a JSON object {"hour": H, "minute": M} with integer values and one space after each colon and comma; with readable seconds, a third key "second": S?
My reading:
{"hour": 10, "minute": 53, "second": 12}
